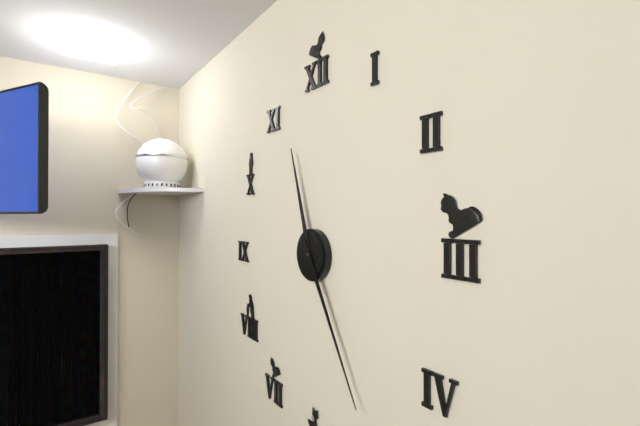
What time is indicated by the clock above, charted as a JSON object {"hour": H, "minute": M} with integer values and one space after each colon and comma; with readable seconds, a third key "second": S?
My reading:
{"hour": 11, "minute": 25}
